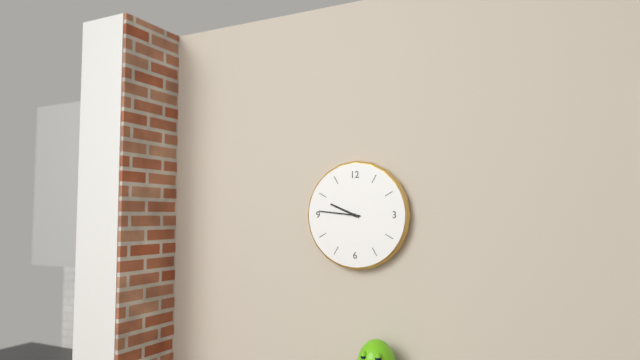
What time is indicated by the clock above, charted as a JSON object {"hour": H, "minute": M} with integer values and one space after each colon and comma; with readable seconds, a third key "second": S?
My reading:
{"hour": 9, "minute": 46}
